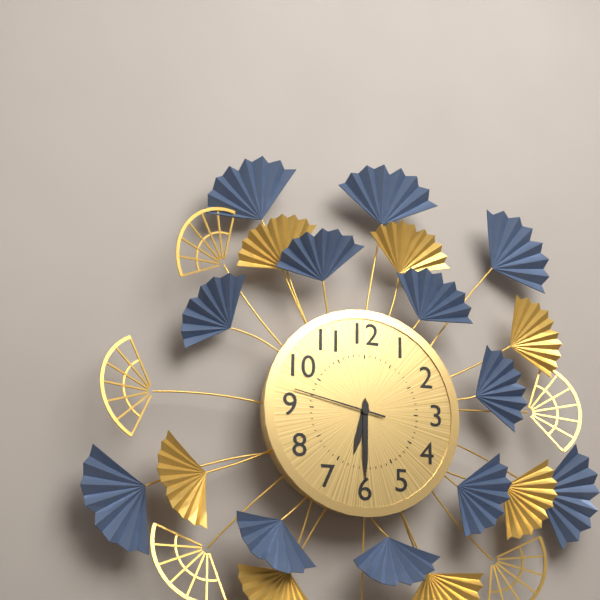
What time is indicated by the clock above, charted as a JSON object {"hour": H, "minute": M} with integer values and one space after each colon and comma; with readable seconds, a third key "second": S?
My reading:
{"hour": 6, "minute": 30, "second": 47}
